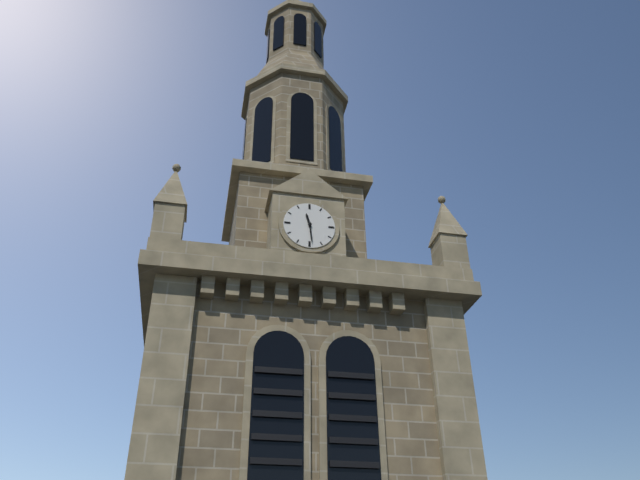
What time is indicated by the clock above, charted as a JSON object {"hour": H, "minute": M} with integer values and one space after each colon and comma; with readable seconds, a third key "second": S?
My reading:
{"hour": 11, "minute": 29}
